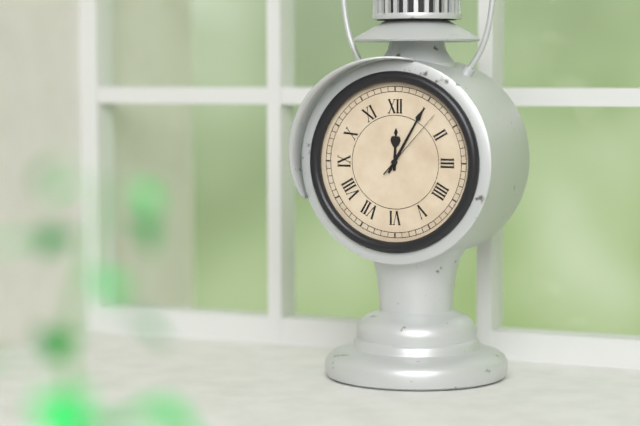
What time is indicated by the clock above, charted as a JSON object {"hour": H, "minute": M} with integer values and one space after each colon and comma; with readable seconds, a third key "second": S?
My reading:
{"hour": 12, "minute": 5, "second": 7}
